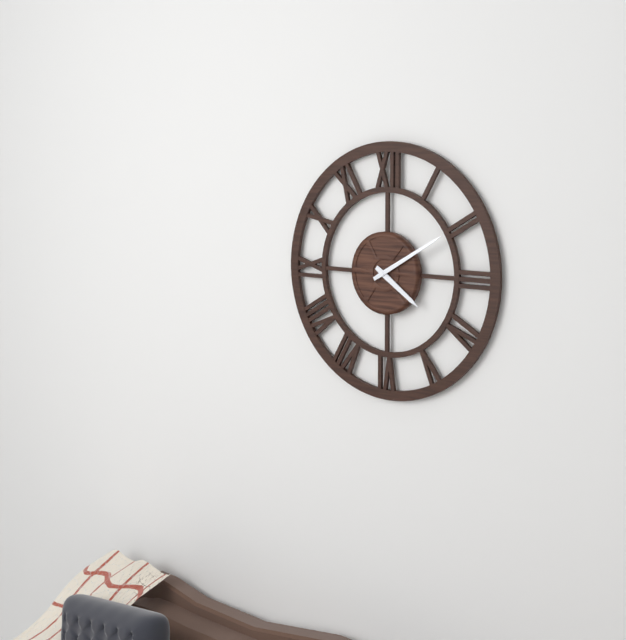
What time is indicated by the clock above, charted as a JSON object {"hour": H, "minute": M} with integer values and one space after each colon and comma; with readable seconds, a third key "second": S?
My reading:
{"hour": 4, "minute": 10}
